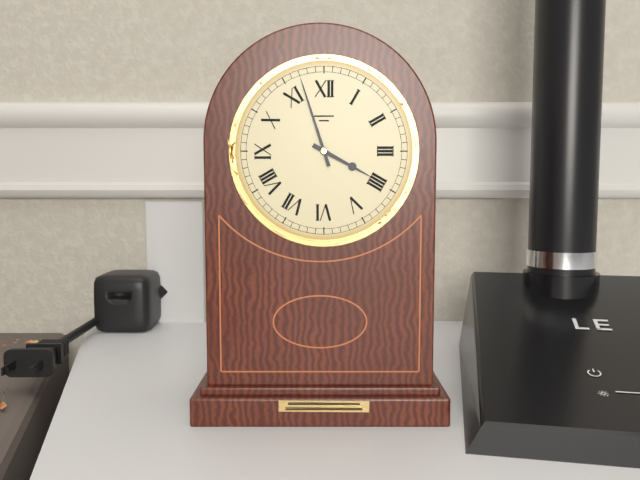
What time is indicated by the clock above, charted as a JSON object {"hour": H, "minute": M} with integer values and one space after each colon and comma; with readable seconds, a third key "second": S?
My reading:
{"hour": 3, "minute": 57}
